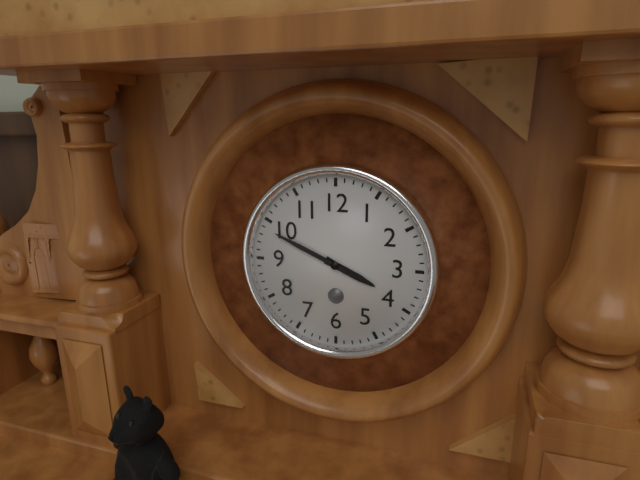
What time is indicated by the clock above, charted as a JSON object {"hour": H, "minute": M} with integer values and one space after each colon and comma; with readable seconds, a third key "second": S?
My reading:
{"hour": 3, "minute": 49}
